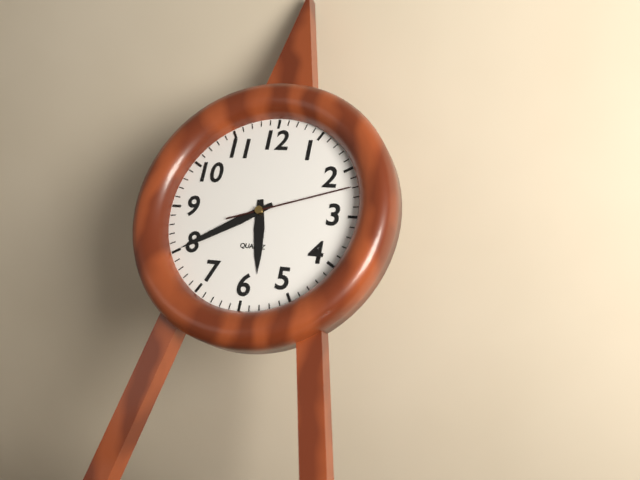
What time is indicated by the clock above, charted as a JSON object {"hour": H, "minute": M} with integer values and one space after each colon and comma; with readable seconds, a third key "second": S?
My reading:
{"hour": 5, "minute": 40, "second": 12}
